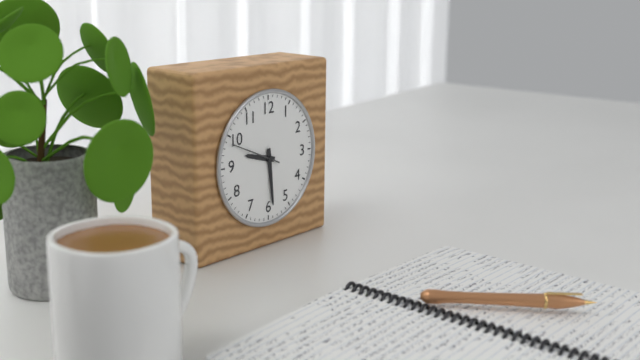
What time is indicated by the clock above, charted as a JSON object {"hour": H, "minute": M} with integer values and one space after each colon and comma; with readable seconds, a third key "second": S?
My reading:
{"hour": 9, "minute": 29}
